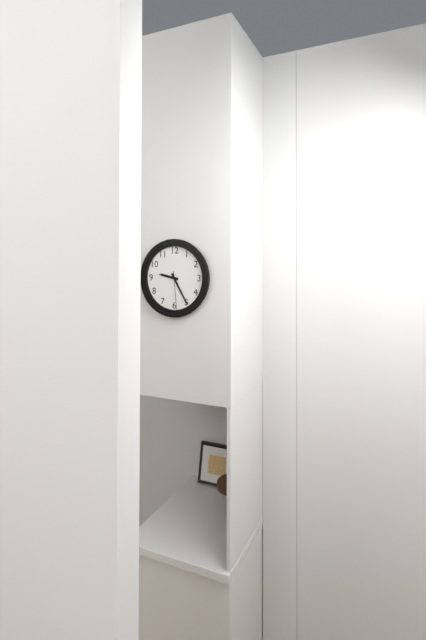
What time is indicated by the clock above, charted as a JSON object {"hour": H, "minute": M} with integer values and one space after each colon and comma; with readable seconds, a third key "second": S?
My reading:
{"hour": 9, "minute": 25}
